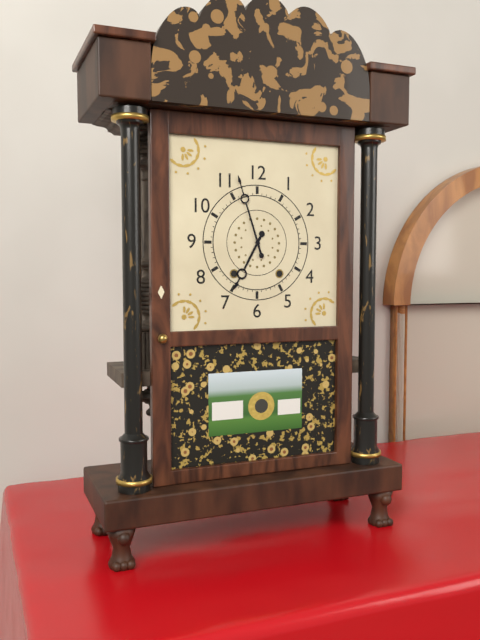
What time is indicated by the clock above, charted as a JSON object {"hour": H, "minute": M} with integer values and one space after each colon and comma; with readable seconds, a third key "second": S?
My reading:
{"hour": 6, "minute": 57}
